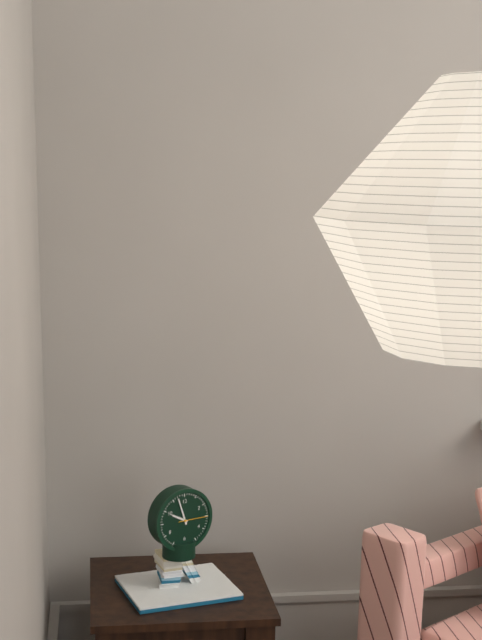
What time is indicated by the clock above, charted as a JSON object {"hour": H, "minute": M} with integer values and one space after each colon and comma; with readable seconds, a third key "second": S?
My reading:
{"hour": 9, "minute": 57}
